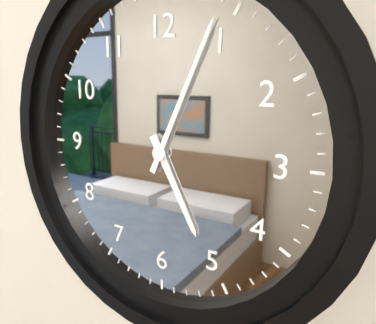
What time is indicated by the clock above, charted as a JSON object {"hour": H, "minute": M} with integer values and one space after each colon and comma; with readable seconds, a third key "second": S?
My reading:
{"hour": 5, "minute": 4}
